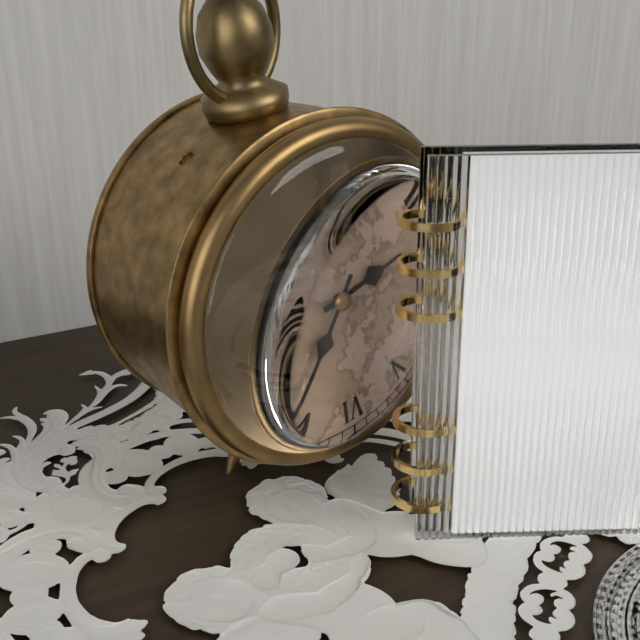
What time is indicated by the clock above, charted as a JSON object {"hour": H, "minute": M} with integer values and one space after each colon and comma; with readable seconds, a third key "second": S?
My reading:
{"hour": 2, "minute": 36}
